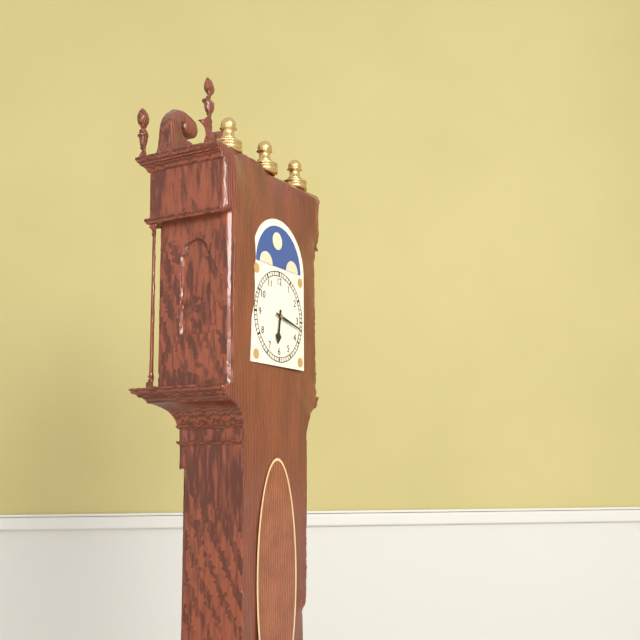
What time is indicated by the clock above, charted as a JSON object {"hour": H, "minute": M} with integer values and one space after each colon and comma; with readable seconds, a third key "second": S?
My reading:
{"hour": 6, "minute": 17}
